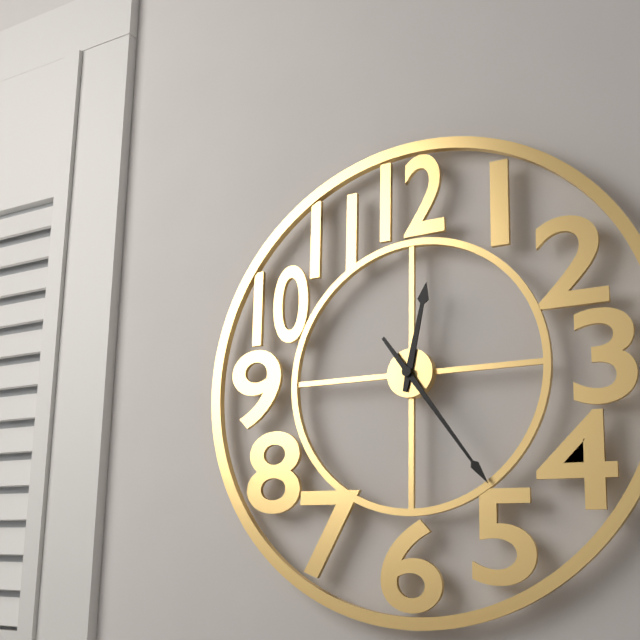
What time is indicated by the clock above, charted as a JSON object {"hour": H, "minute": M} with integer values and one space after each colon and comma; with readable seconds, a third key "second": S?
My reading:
{"hour": 12, "minute": 24}
